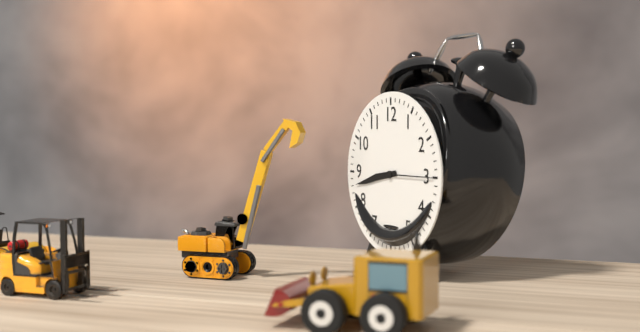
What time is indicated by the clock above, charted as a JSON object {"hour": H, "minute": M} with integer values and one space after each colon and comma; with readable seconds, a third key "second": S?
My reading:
{"hour": 8, "minute": 43, "second": 15}
